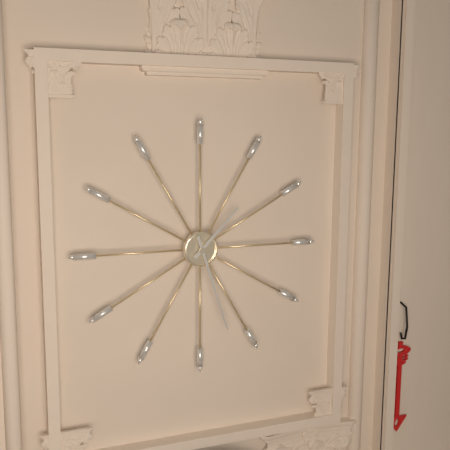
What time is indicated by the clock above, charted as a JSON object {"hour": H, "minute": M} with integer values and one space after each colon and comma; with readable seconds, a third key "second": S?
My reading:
{"hour": 1, "minute": 27}
